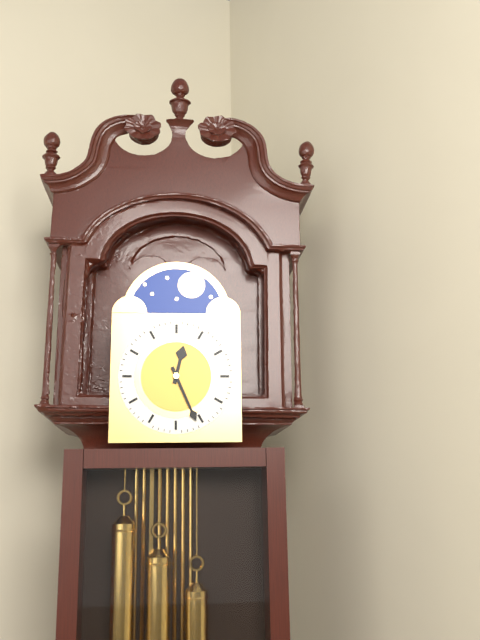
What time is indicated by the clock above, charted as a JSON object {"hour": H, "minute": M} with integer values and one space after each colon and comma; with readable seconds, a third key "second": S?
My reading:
{"hour": 12, "minute": 26}
